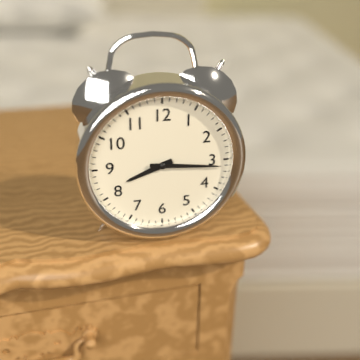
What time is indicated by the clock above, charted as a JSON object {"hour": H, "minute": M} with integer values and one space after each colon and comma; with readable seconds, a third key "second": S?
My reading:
{"hour": 8, "minute": 16}
